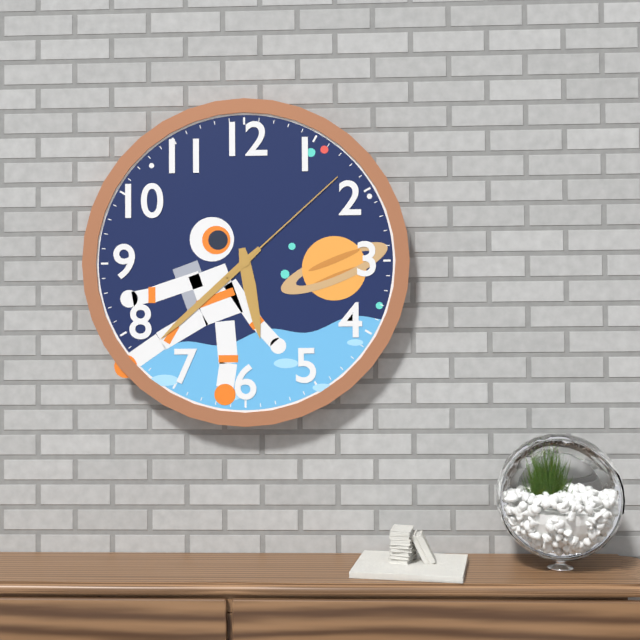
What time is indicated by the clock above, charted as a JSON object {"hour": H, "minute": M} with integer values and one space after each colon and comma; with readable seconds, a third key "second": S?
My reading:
{"hour": 5, "minute": 38, "second": 8}
